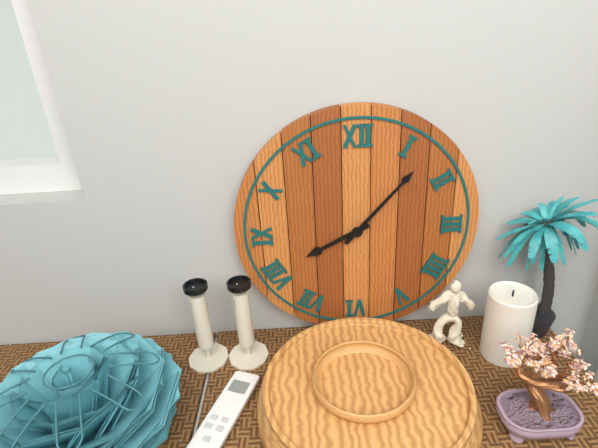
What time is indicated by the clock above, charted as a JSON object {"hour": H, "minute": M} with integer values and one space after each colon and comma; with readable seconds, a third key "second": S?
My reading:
{"hour": 8, "minute": 7}
